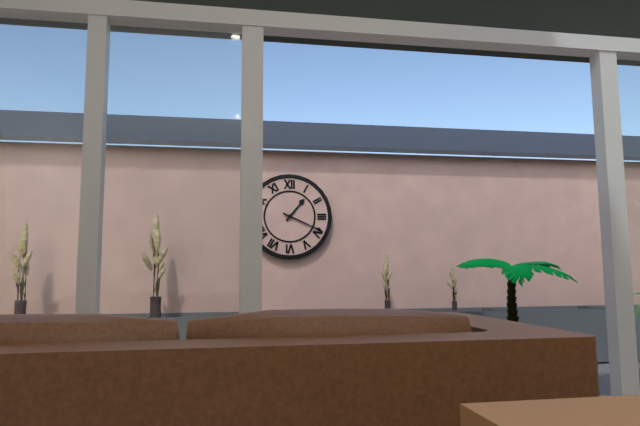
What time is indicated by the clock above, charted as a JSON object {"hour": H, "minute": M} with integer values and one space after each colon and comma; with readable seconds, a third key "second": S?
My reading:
{"hour": 1, "minute": 19}
